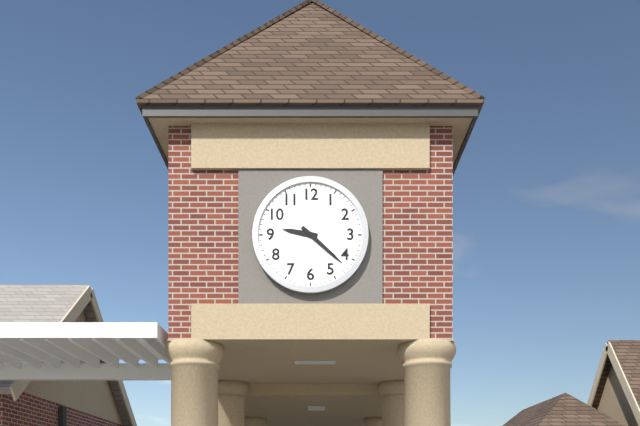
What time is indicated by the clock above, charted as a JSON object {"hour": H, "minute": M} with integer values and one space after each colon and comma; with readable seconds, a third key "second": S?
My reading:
{"hour": 9, "minute": 22}
